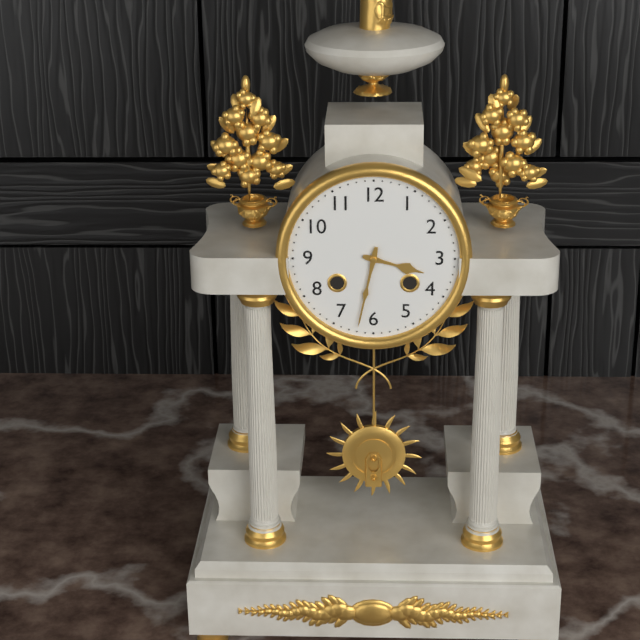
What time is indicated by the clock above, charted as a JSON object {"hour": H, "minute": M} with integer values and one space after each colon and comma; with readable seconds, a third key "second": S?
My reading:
{"hour": 3, "minute": 32}
